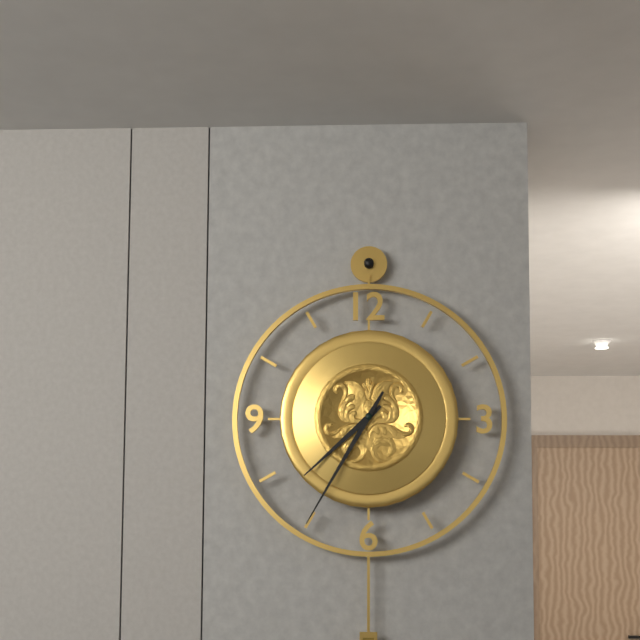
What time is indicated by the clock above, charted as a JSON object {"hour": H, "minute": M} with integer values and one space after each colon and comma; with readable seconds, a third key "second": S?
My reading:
{"hour": 7, "minute": 35}
